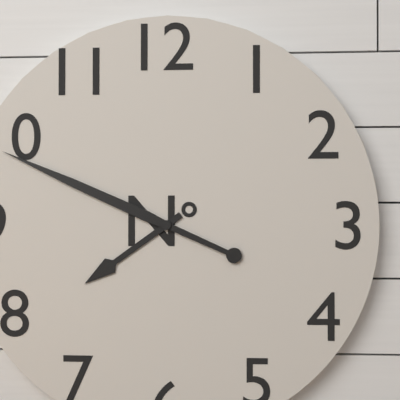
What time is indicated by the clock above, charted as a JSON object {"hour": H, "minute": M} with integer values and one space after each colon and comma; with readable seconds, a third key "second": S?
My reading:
{"hour": 7, "minute": 49}
